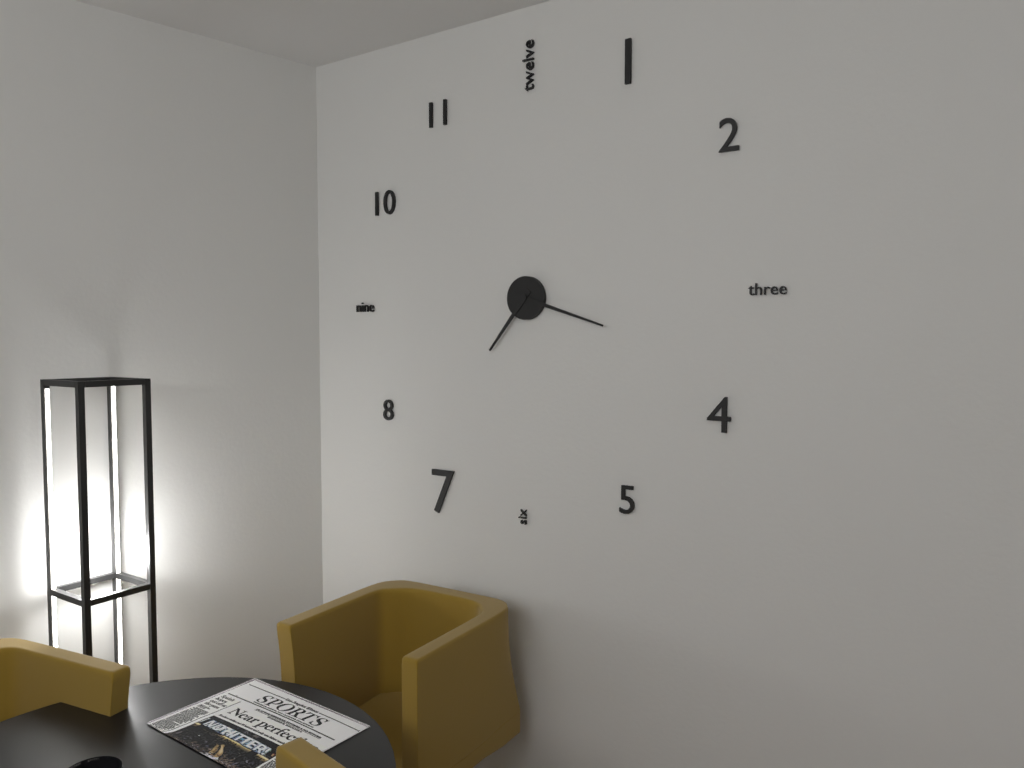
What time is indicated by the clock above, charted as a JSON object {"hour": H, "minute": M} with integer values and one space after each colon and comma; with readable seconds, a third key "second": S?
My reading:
{"hour": 7, "minute": 18}
